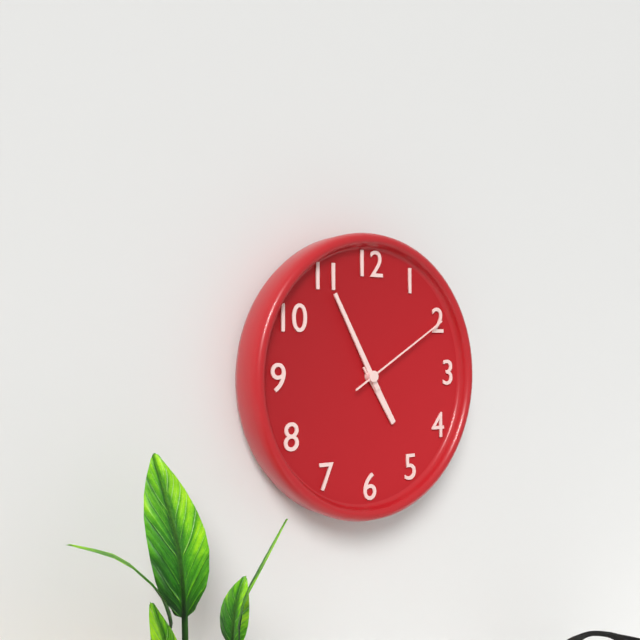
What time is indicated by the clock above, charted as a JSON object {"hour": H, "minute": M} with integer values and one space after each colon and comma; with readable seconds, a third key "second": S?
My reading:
{"hour": 4, "minute": 55, "second": 10}
